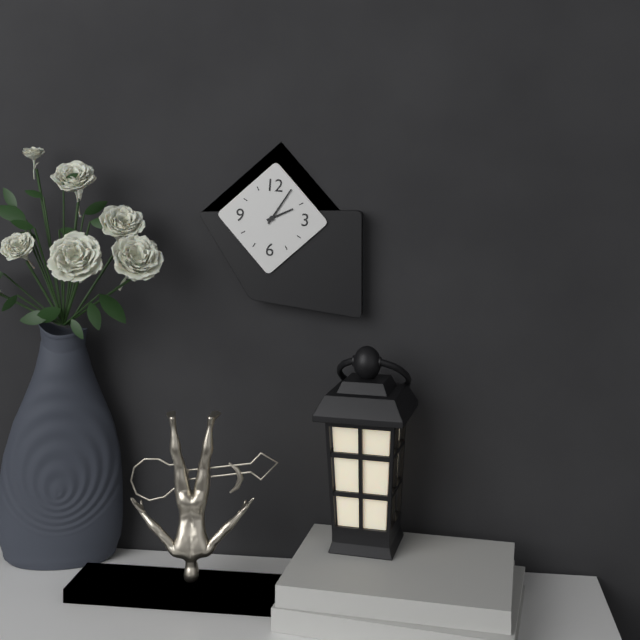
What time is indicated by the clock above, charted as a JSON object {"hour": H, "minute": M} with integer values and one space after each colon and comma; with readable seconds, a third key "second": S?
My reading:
{"hour": 2, "minute": 5}
